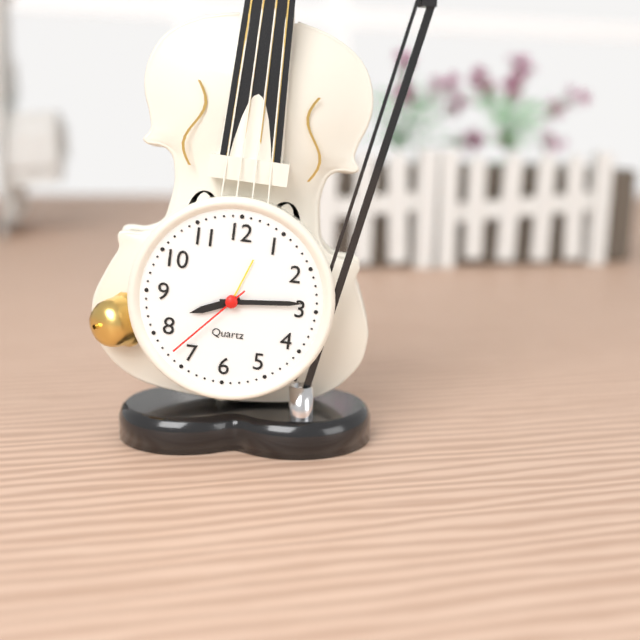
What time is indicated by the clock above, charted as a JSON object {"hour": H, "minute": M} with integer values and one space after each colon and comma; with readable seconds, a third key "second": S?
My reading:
{"hour": 8, "minute": 14, "second": 37}
